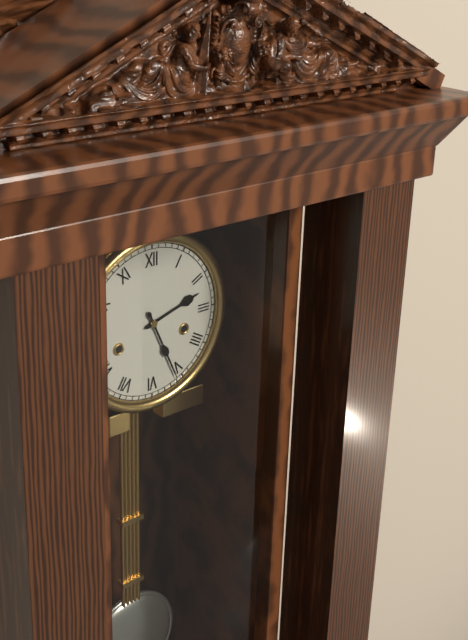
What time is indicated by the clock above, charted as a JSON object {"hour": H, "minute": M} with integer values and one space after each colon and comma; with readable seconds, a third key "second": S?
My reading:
{"hour": 2, "minute": 26}
